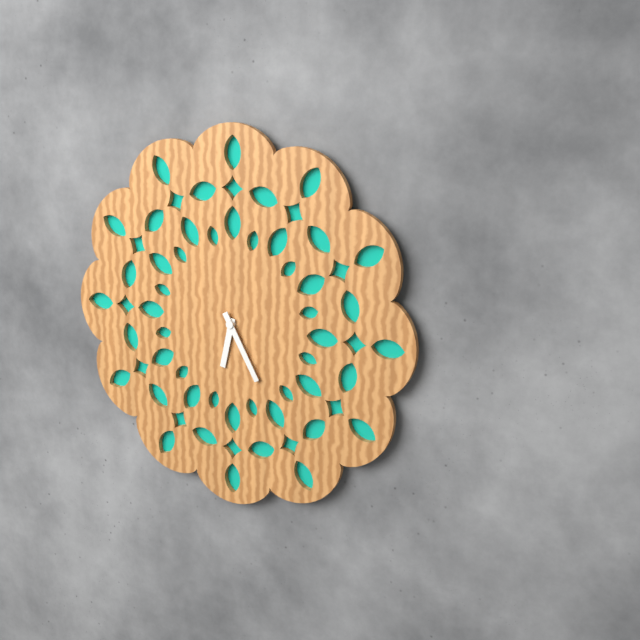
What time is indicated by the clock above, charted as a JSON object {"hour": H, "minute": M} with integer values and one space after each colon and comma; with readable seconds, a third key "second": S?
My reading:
{"hour": 6, "minute": 25}
